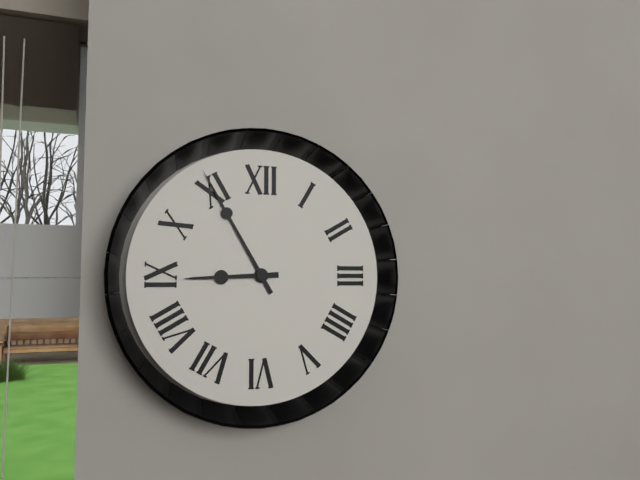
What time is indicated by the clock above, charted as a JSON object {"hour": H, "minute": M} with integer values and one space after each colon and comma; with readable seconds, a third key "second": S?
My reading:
{"hour": 8, "minute": 55}
